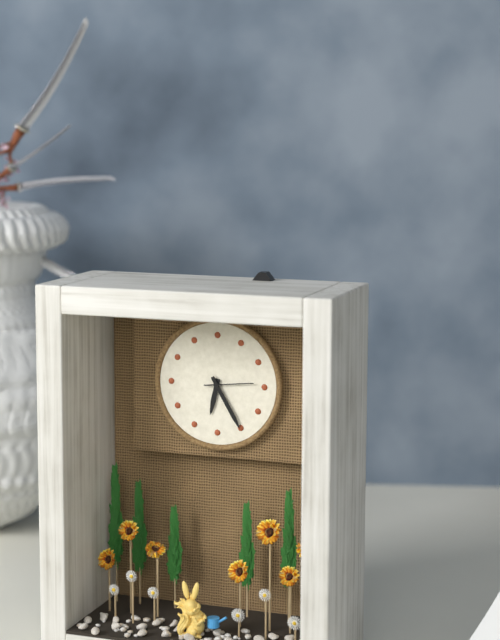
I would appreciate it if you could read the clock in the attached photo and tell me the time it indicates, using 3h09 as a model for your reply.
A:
6h25
